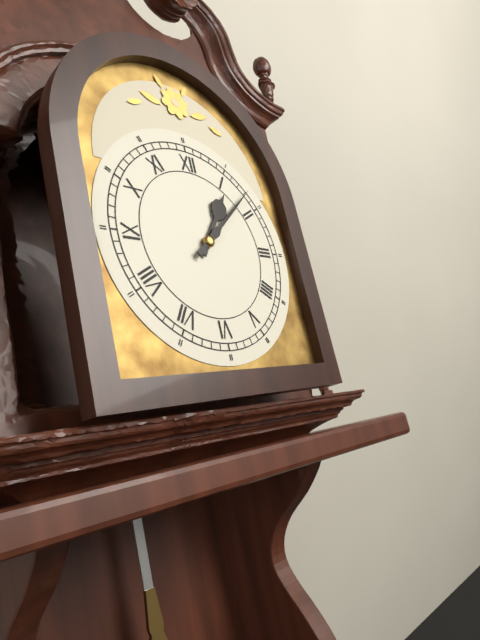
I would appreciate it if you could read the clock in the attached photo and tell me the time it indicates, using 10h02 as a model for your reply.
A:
1h08
